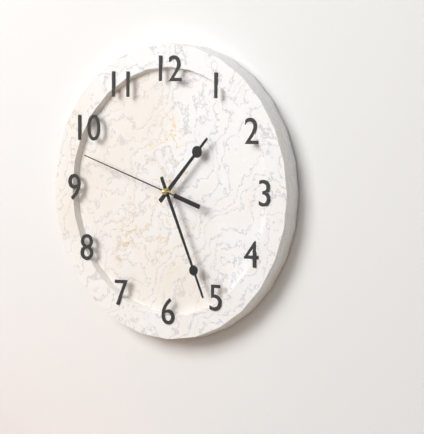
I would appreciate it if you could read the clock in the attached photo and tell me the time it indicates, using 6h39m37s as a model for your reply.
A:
1h26m48s
